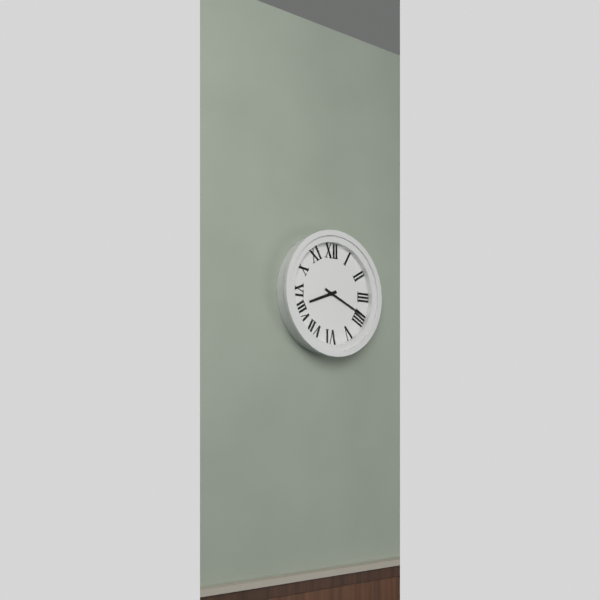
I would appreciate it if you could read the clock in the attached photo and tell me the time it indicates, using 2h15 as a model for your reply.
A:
8h19
